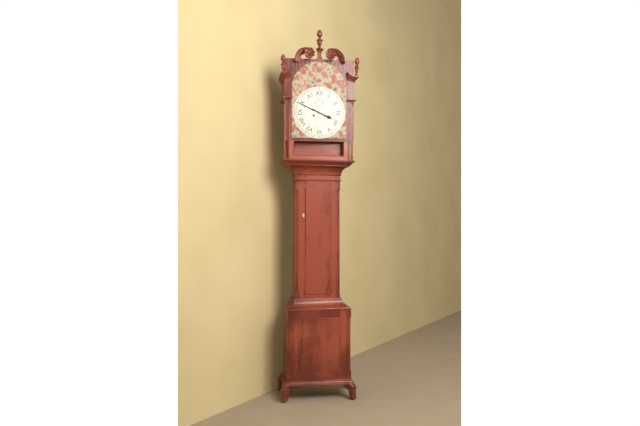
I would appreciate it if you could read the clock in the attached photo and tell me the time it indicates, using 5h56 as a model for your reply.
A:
3h49
